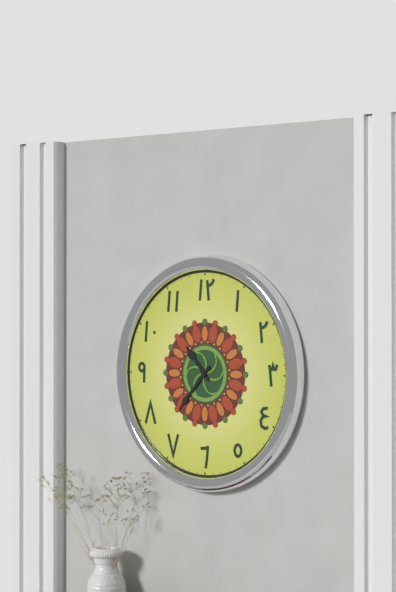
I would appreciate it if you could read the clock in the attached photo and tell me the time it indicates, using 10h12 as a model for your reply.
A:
10h37
